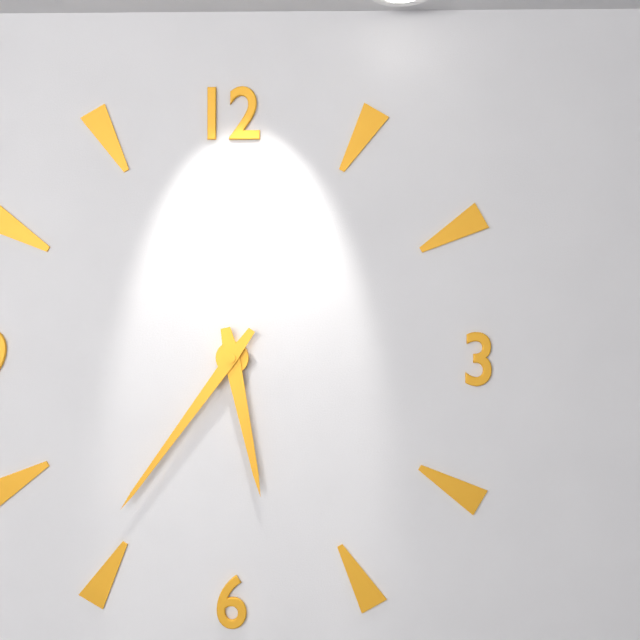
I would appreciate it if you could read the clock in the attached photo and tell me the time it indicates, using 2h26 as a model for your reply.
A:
5h36
